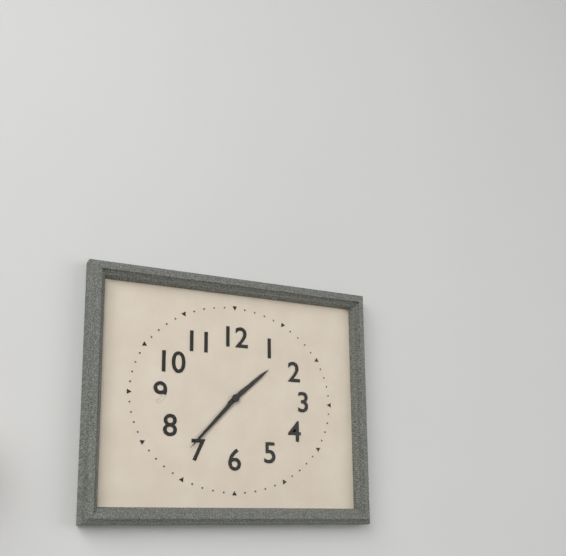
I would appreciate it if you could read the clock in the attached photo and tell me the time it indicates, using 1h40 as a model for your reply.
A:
1h37
